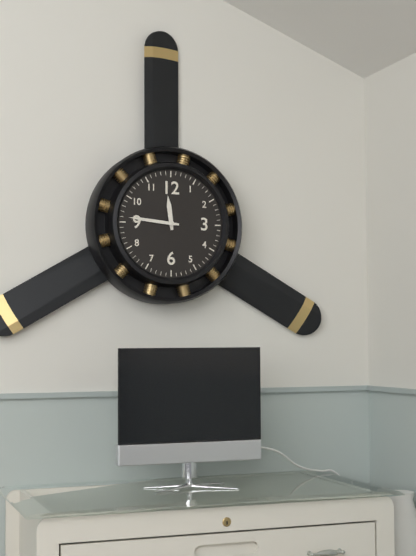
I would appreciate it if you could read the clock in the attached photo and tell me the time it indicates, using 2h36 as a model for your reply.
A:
11h46
